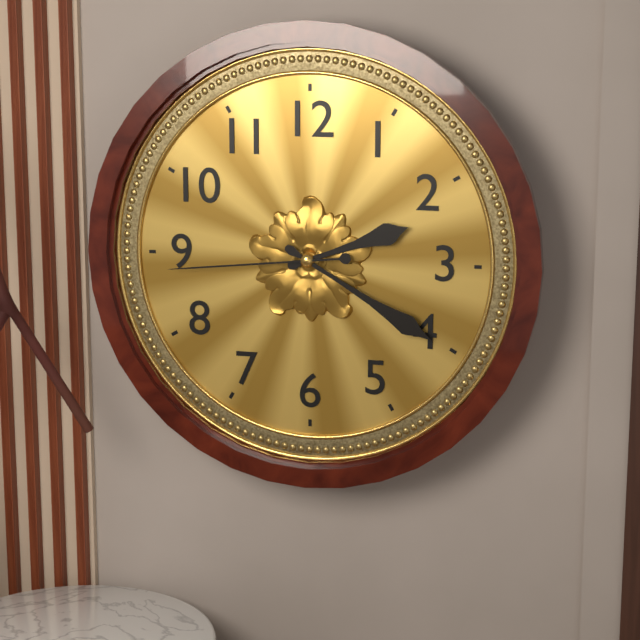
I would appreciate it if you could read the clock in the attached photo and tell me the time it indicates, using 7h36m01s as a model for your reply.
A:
2h20m44s
